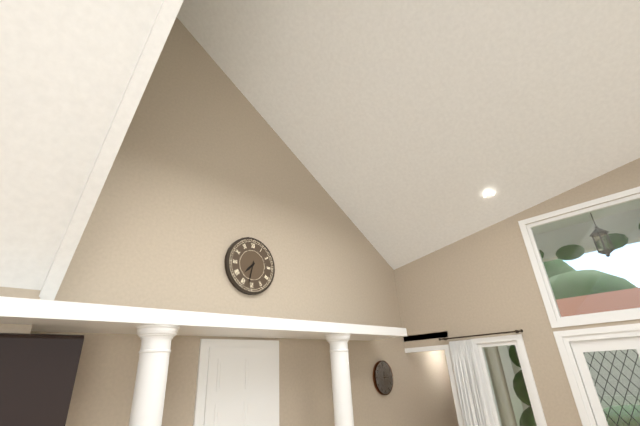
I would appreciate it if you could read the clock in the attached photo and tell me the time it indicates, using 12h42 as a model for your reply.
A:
7h32
